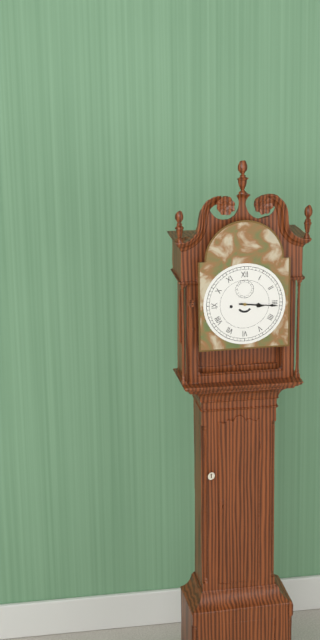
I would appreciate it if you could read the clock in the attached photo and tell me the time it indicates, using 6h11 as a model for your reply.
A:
3h16
